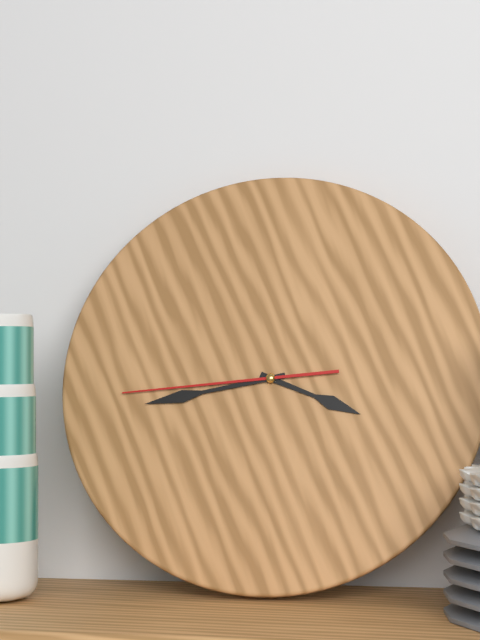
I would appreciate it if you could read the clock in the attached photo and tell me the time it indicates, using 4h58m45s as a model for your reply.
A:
3h43m44s
